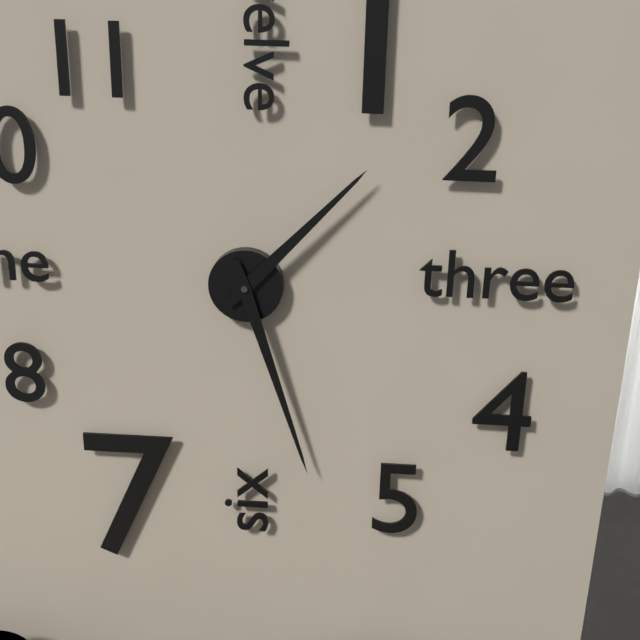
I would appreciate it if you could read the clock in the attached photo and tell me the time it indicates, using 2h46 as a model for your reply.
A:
1h27
